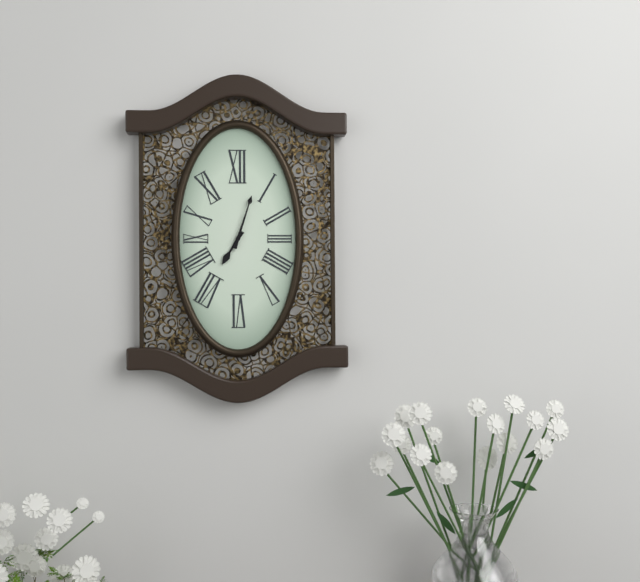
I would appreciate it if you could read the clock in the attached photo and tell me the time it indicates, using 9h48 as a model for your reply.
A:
7h03
